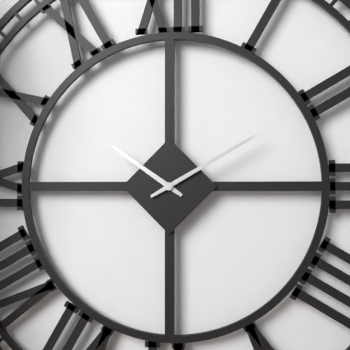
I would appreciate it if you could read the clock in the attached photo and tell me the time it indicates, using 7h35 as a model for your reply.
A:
10h10
